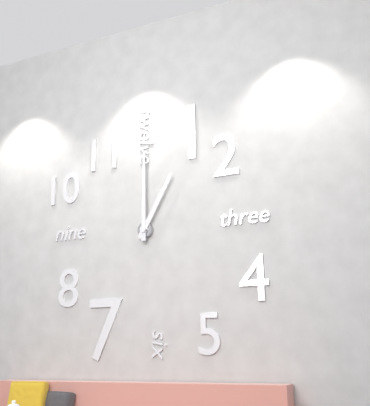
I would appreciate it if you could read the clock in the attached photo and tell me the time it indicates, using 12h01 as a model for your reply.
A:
1h00
